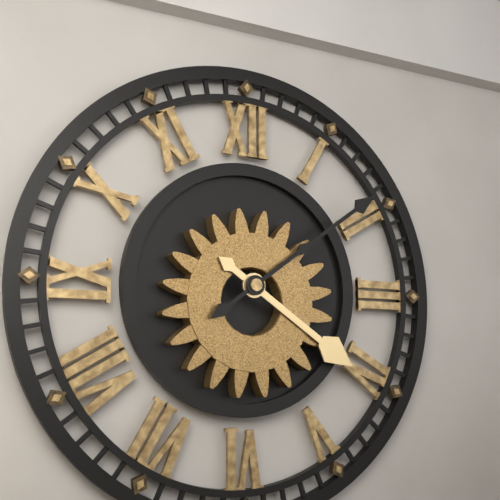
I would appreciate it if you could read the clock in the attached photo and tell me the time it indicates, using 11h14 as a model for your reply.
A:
4h09
